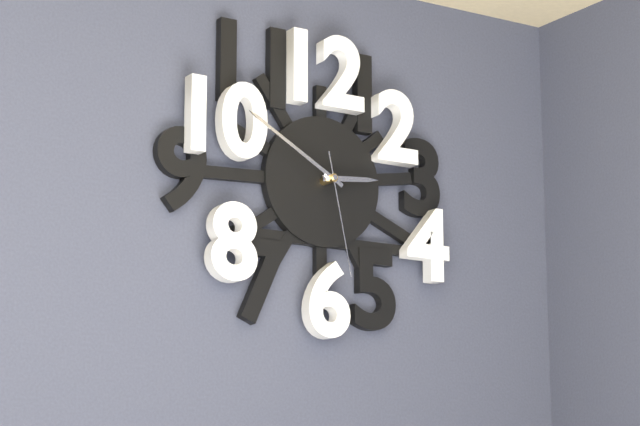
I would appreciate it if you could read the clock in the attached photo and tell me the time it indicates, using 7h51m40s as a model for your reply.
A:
2h50m28s
